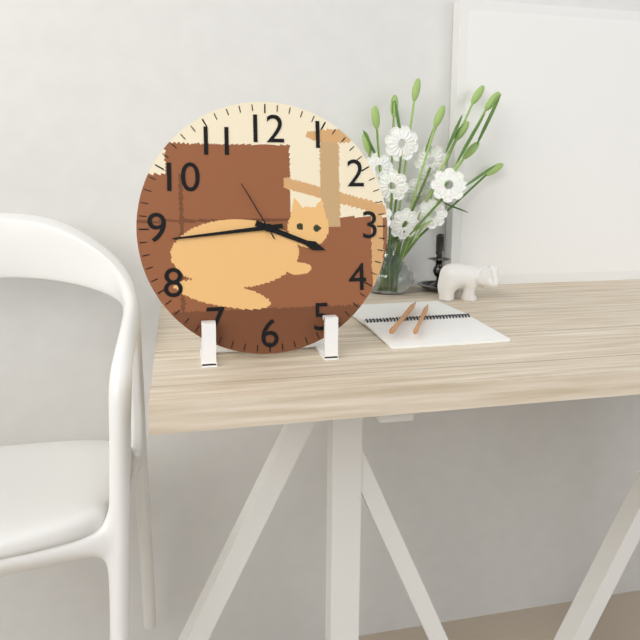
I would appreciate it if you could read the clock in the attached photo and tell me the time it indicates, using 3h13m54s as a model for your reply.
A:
3h44m55s
